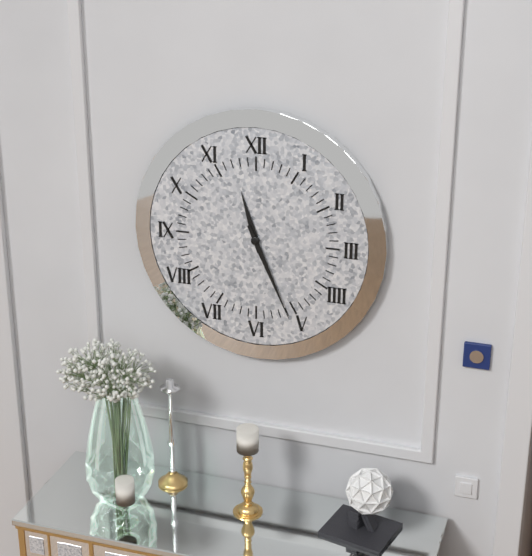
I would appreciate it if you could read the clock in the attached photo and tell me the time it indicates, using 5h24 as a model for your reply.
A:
11h26
